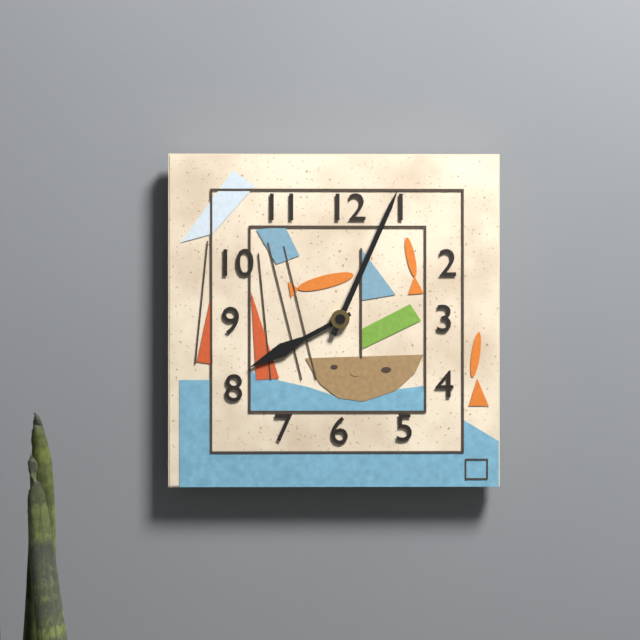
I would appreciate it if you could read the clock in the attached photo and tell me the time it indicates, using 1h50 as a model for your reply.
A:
8h04
